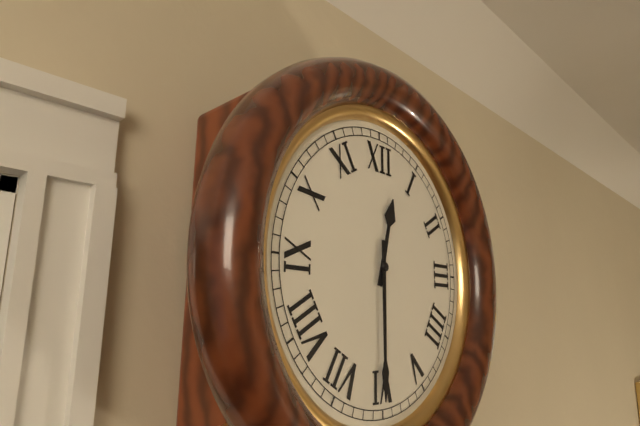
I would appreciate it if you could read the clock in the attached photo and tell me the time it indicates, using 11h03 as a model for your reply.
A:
12h30
